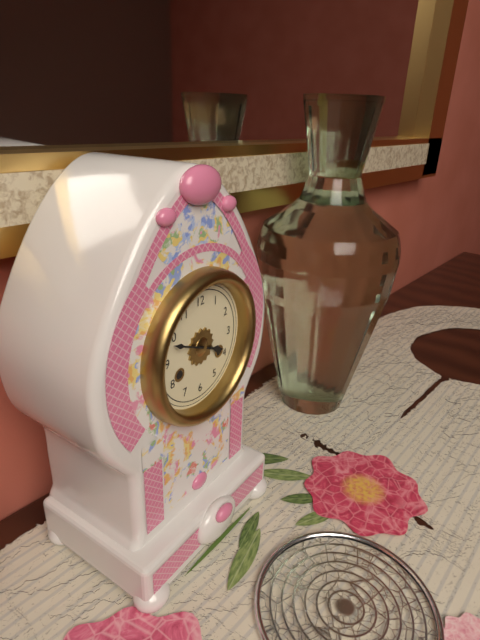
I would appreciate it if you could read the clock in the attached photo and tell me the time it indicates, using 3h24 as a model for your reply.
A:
3h49
